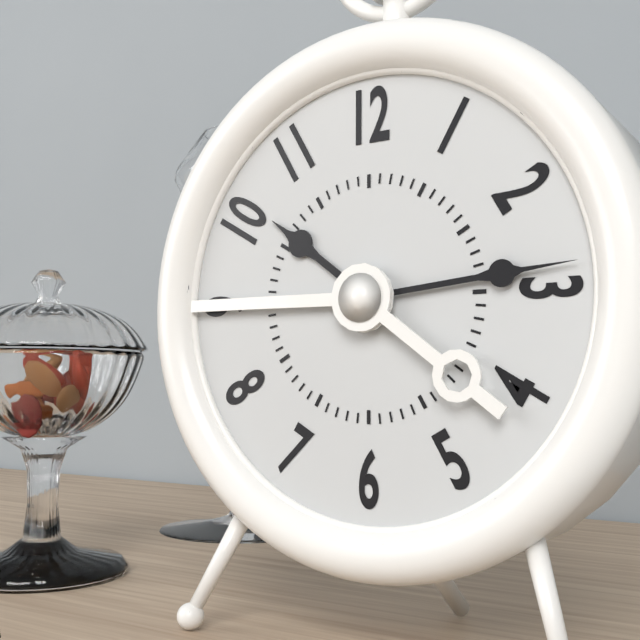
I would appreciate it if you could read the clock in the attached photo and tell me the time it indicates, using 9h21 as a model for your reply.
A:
10h14
